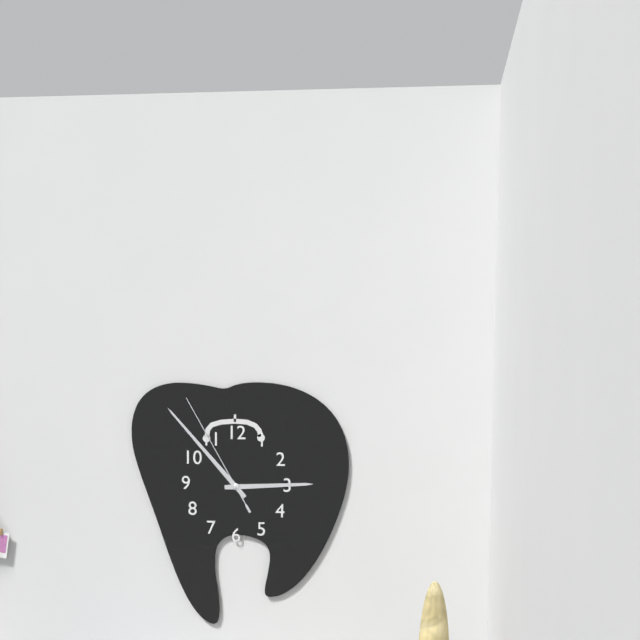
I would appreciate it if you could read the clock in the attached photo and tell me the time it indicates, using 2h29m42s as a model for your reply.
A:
2h53m55s
